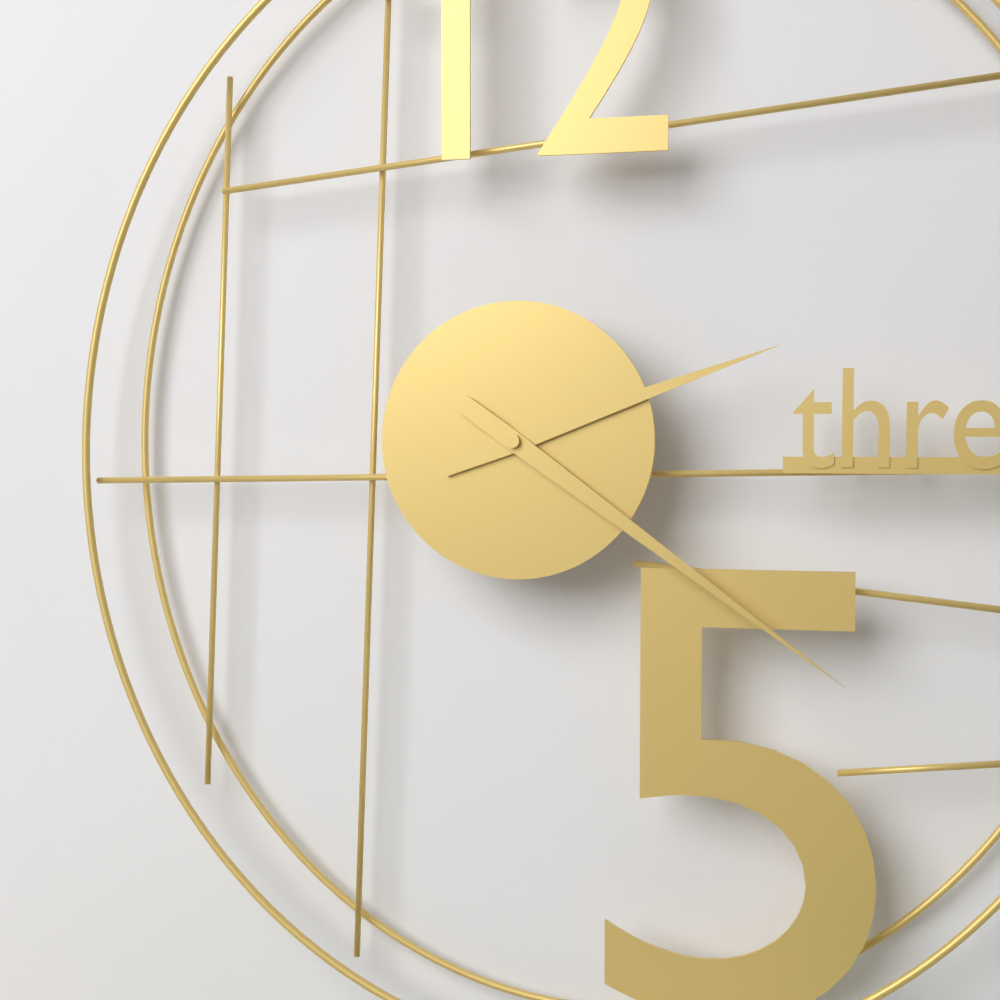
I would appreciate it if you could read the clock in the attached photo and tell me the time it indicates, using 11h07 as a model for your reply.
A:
2h21
